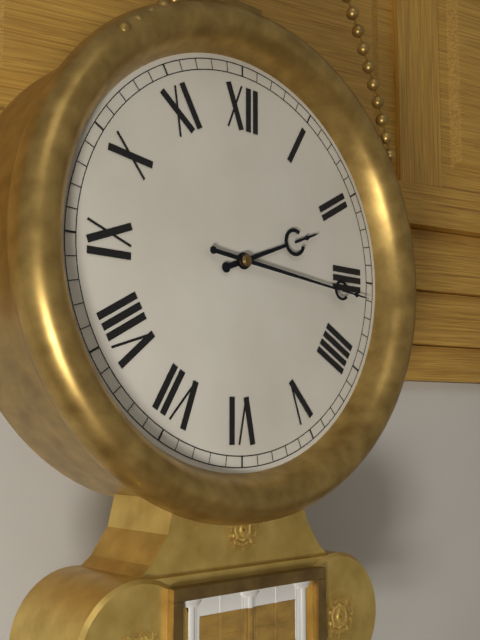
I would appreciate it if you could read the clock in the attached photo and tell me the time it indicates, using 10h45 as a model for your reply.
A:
2h16
